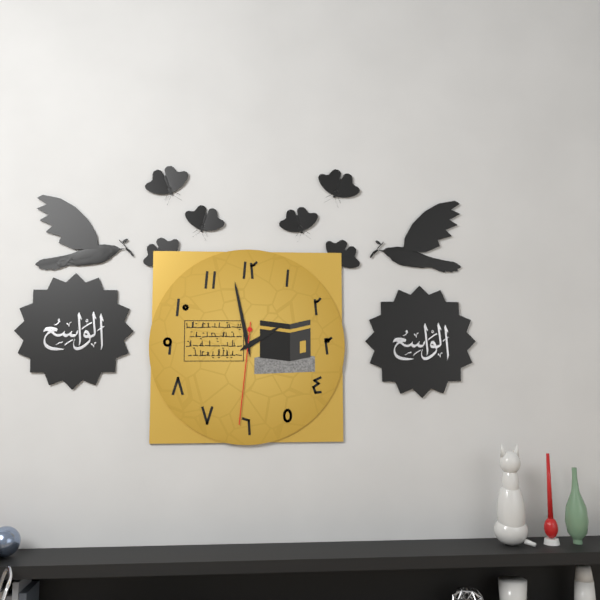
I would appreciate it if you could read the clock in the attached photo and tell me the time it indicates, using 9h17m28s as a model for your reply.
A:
1h58m31s
